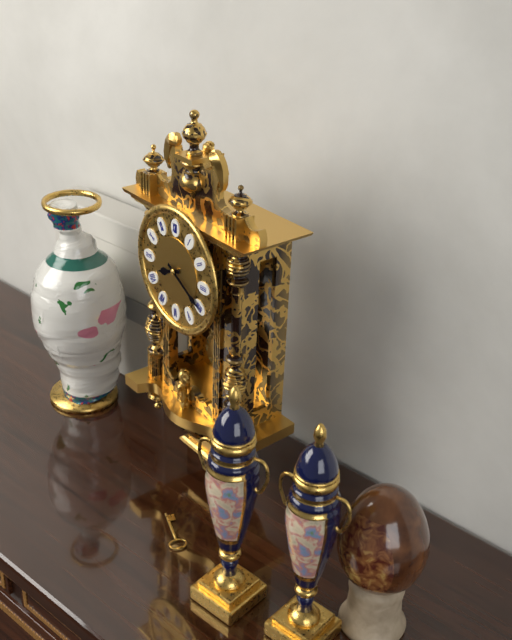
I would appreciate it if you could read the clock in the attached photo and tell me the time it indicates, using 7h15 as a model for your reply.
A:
8h20
